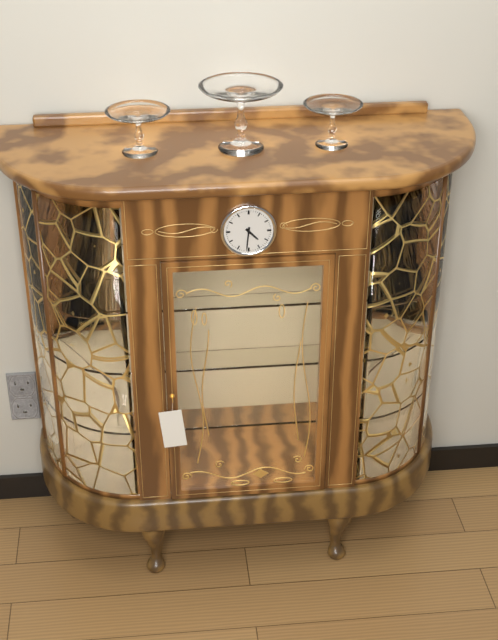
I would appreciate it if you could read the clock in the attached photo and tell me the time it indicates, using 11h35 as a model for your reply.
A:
4h31
